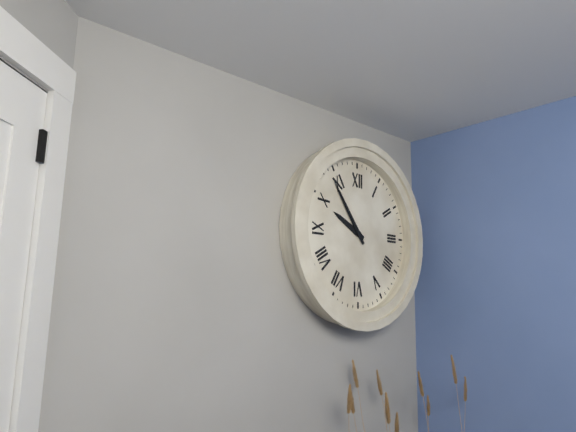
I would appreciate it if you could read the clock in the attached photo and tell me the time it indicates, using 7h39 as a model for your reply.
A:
9h54
